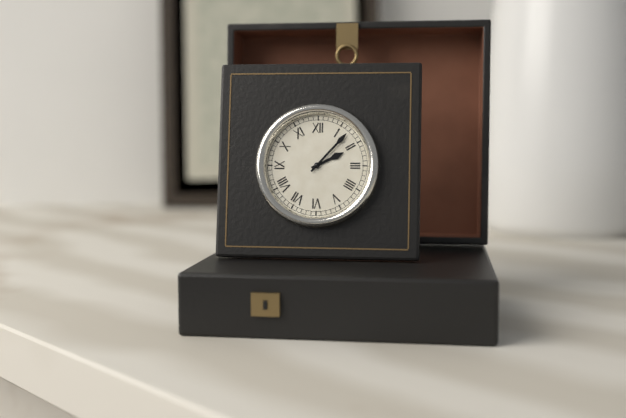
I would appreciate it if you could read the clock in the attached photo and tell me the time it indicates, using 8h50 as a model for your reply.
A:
2h07
